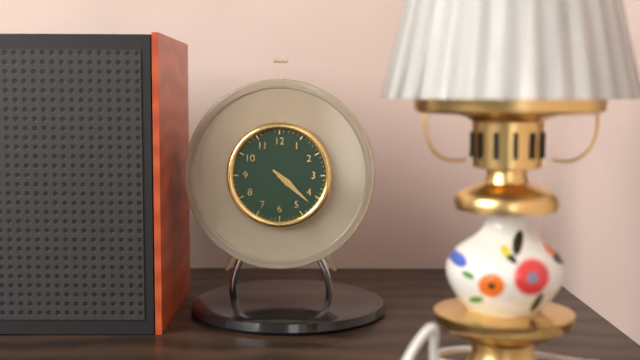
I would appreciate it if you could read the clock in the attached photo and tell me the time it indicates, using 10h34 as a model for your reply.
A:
4h22
